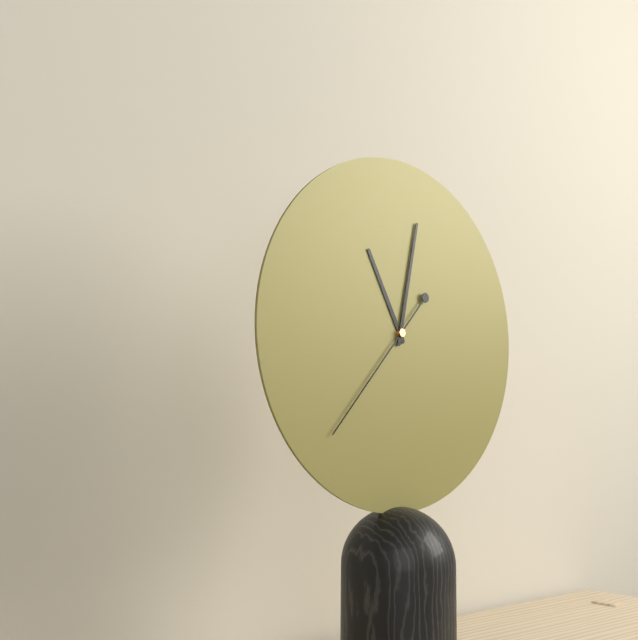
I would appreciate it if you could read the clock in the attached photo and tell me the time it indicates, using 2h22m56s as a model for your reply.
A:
11h02m37s
